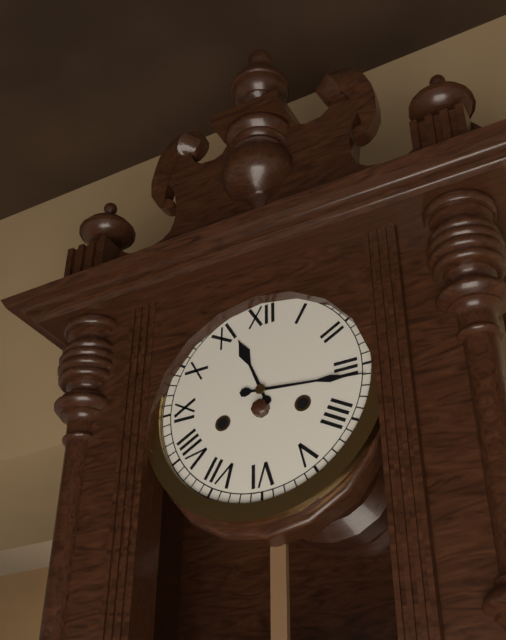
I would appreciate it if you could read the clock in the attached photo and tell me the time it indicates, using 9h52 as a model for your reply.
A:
11h16
